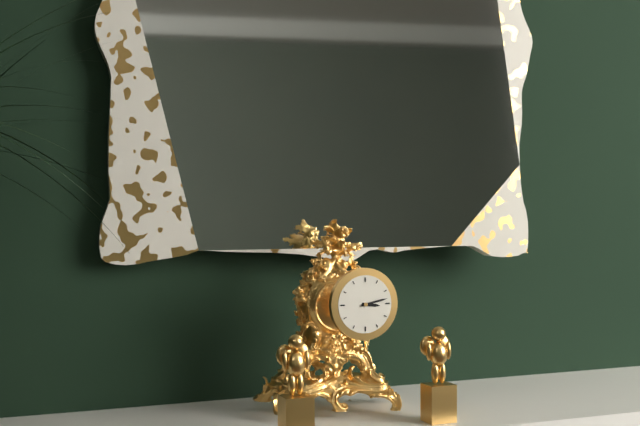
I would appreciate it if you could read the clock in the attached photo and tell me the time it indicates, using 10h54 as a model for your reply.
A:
3h13
